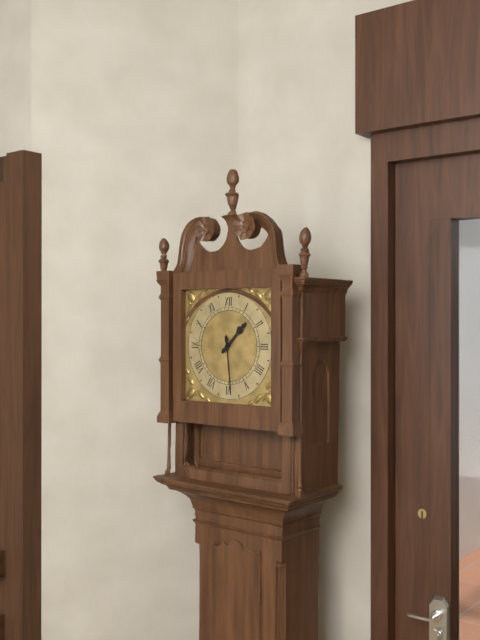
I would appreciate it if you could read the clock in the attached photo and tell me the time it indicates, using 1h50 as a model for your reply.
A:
1h29
